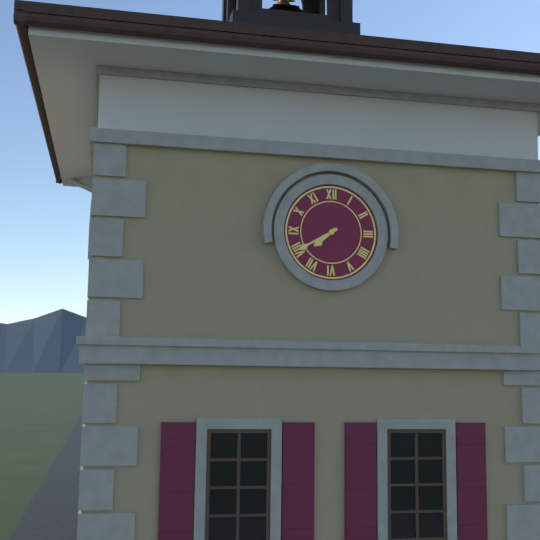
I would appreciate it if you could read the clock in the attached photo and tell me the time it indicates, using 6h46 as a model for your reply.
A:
7h40
